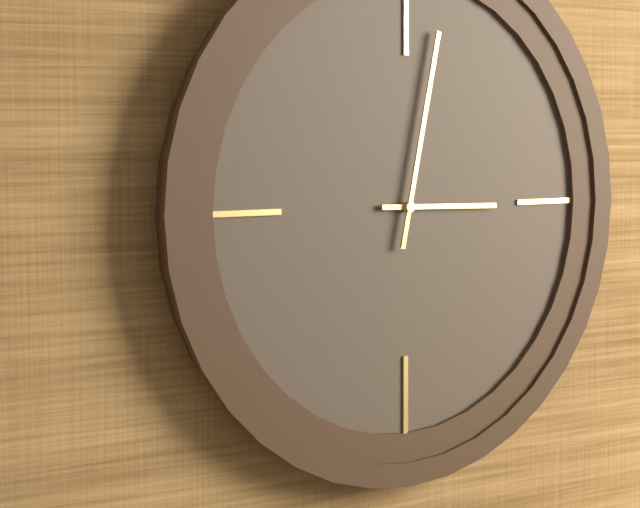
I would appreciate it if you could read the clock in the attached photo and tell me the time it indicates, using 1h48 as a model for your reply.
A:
3h02
